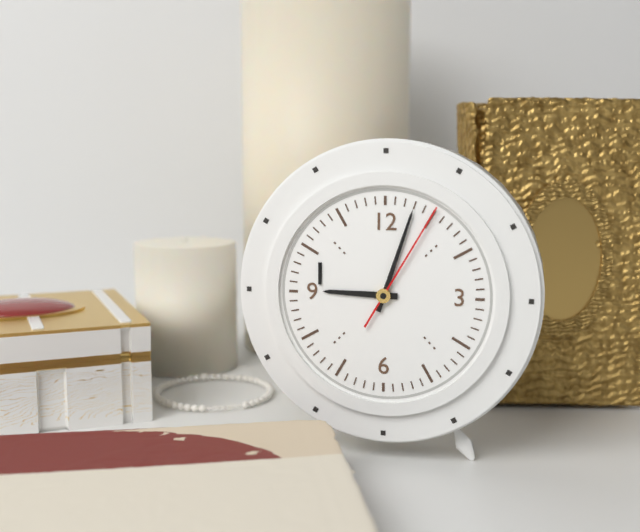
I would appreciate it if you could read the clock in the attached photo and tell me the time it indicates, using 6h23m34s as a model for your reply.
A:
9h03m05s
